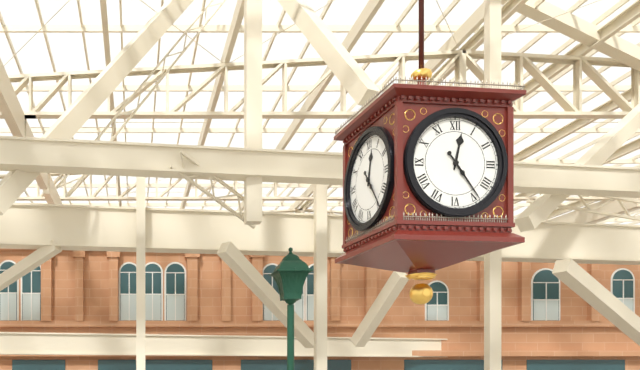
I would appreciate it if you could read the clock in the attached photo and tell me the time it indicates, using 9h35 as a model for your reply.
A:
12h24
